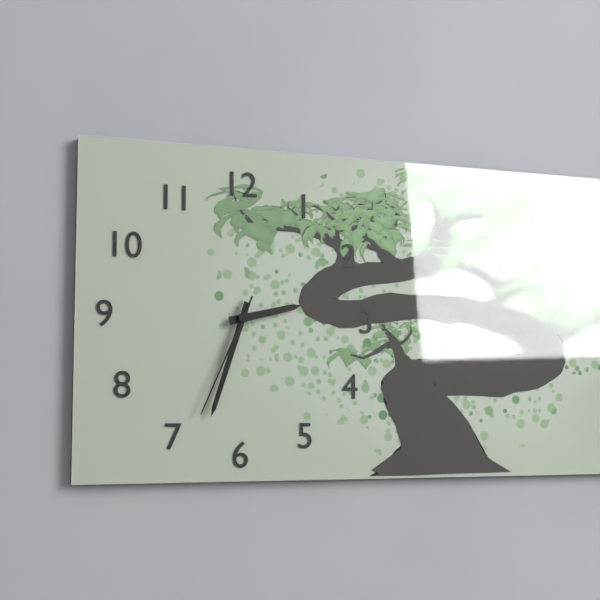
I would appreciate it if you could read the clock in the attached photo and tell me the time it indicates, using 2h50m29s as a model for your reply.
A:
2h33m34s
